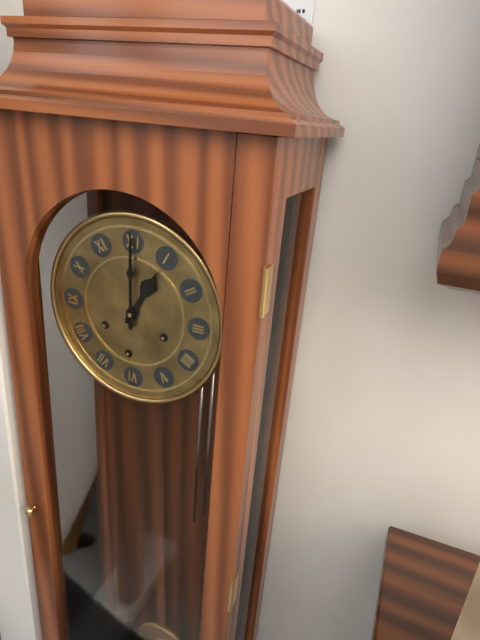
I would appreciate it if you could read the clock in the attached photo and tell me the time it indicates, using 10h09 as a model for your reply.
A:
1h00
